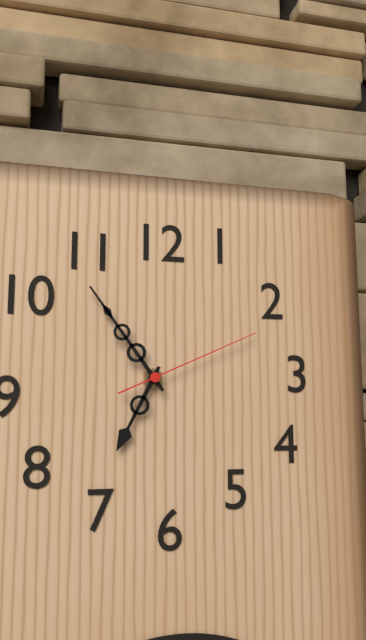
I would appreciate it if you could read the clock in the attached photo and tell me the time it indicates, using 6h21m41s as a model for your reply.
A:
6h54m11s
